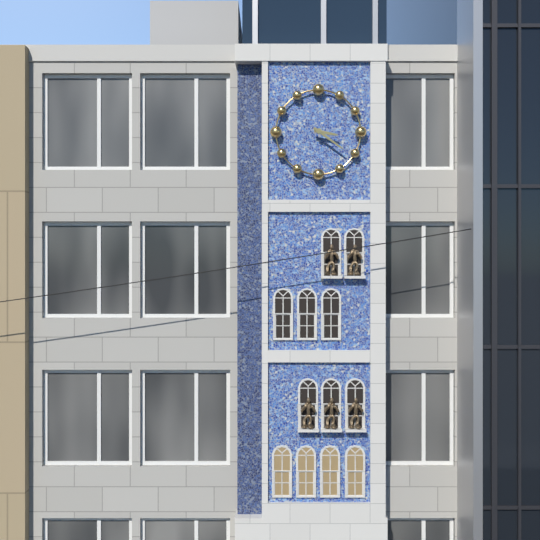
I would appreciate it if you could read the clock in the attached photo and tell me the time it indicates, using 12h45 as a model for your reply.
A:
3h21
